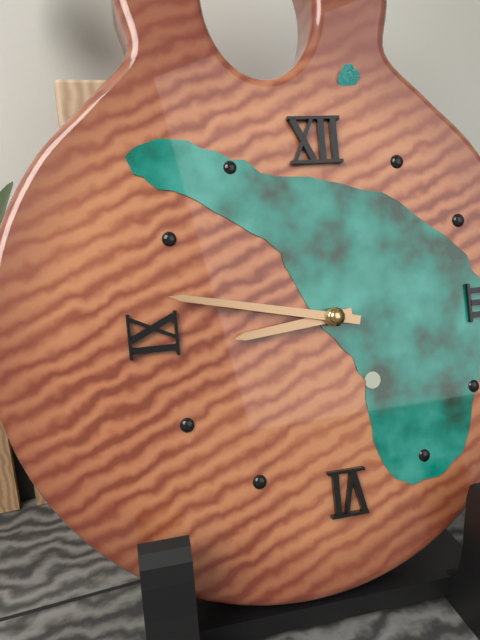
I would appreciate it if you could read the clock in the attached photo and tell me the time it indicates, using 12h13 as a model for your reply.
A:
8h47
